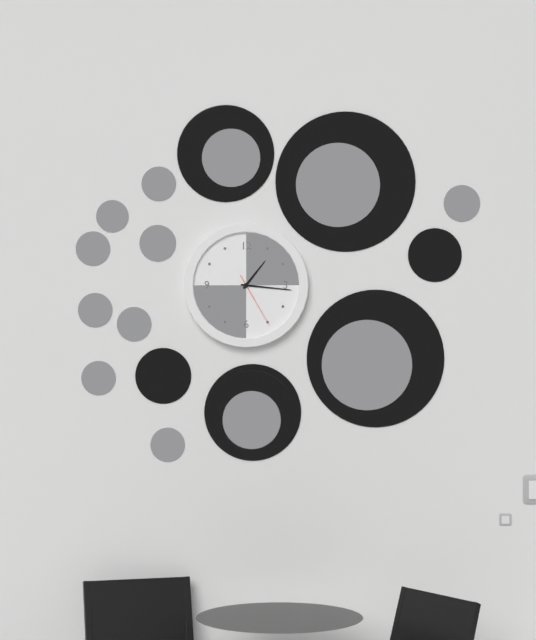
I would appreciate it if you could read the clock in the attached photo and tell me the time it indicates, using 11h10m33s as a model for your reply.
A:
1h16m25s
